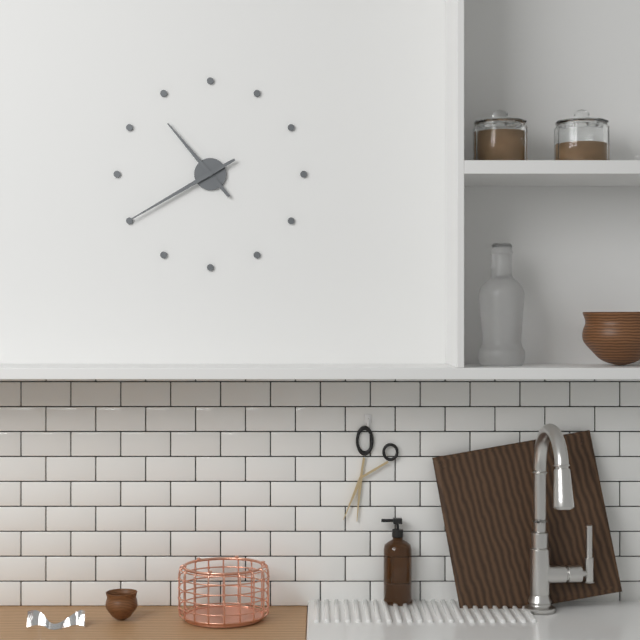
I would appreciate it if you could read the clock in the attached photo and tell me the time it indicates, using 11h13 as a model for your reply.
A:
10h40
